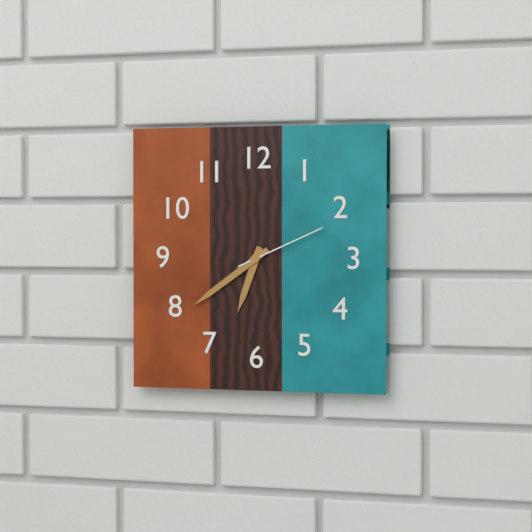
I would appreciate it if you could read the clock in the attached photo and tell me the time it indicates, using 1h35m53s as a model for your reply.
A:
6h39m11s
